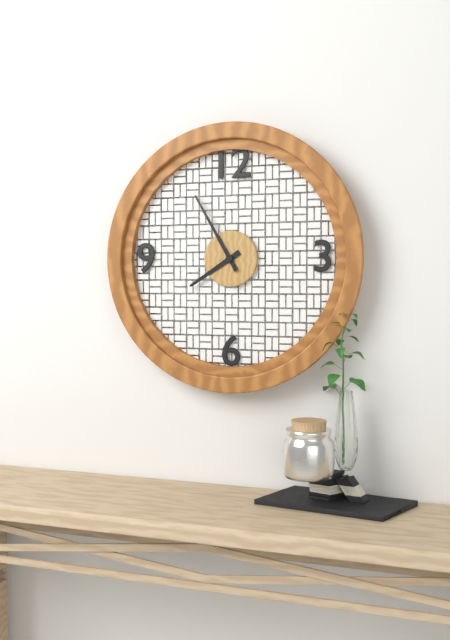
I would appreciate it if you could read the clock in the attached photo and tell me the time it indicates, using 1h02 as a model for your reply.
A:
7h55
